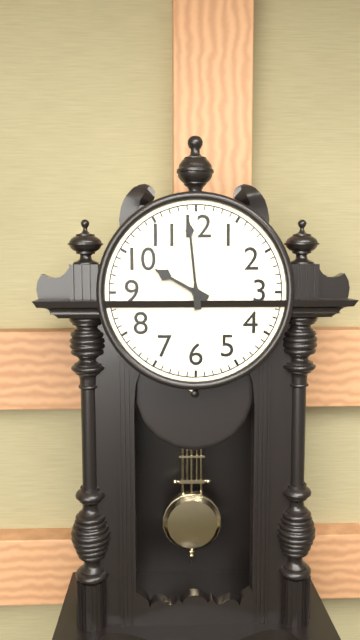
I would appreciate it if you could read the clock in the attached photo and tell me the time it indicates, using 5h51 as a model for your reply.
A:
9h59
